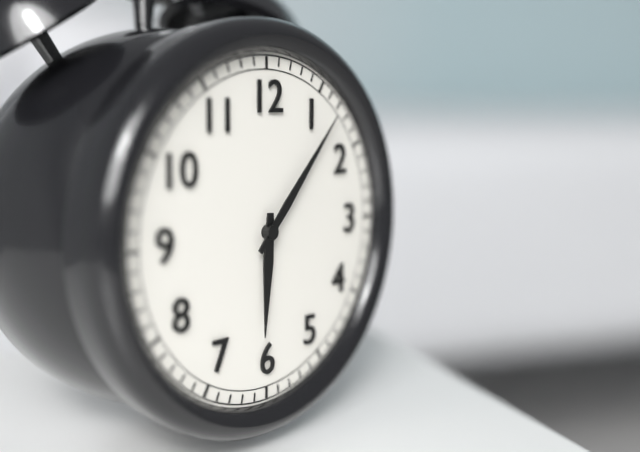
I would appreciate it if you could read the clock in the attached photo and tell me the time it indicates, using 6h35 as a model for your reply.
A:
6h07
